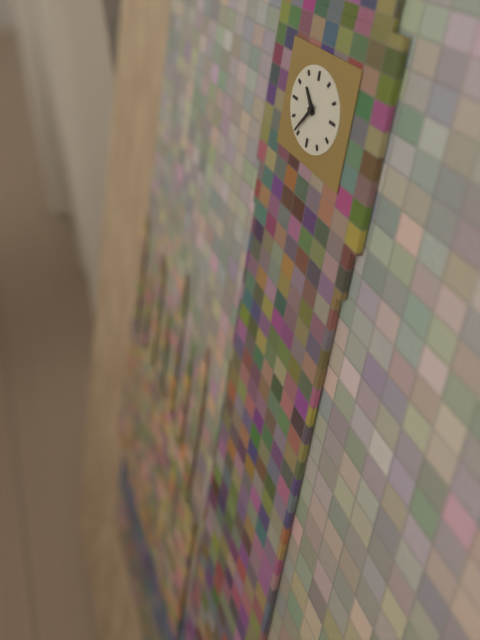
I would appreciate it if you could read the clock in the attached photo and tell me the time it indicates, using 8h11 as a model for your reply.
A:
10h36
